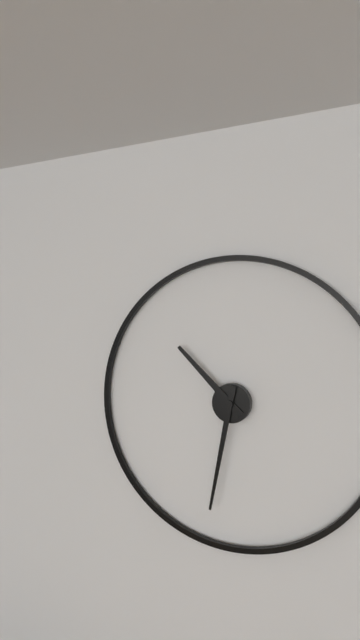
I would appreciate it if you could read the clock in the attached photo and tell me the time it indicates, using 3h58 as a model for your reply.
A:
10h32
